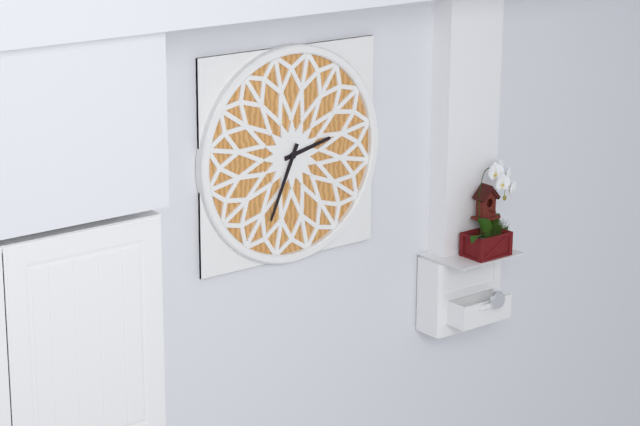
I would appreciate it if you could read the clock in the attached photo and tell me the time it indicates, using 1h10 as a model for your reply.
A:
2h34
